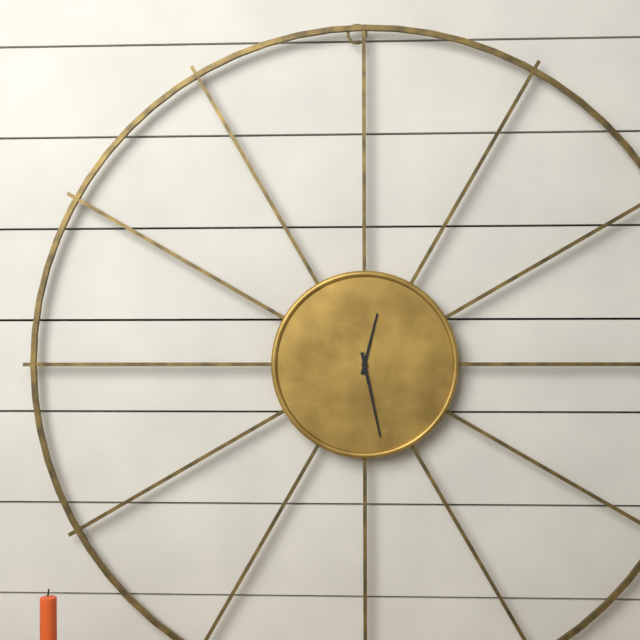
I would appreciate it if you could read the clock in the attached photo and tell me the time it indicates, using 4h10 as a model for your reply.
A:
12h28
